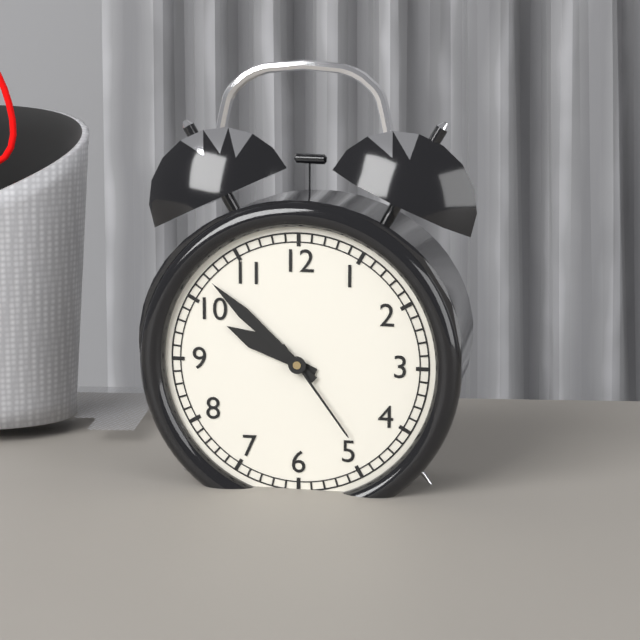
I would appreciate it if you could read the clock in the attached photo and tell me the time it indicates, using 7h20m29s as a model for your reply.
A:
9h52m24s
